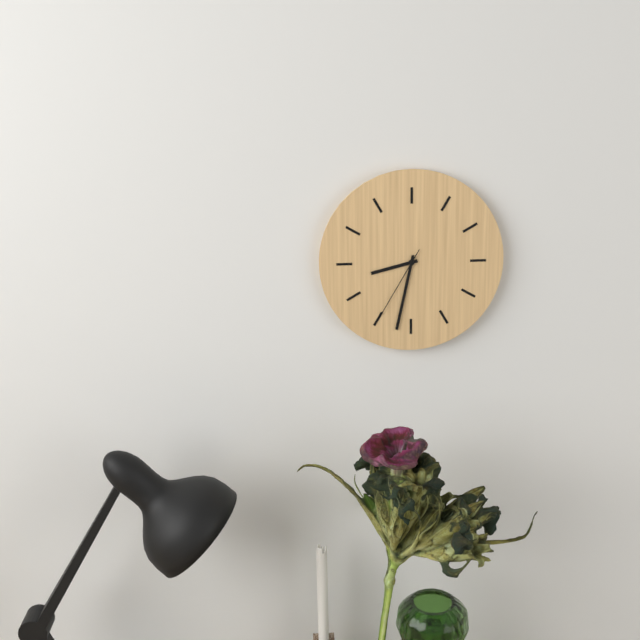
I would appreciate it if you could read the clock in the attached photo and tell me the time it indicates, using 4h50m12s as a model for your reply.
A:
8h32m35s
